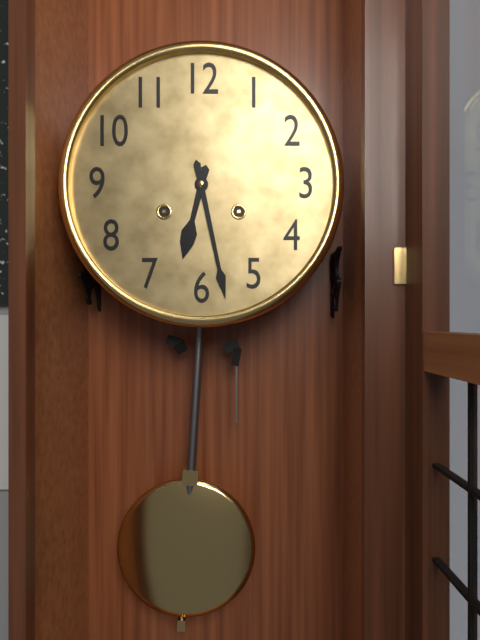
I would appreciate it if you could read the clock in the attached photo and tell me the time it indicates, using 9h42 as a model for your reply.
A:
6h28
